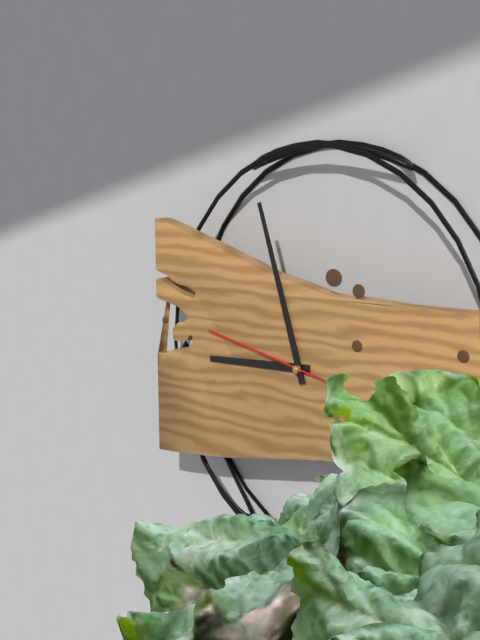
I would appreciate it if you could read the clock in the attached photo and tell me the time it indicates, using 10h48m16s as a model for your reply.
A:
8h57m47s
